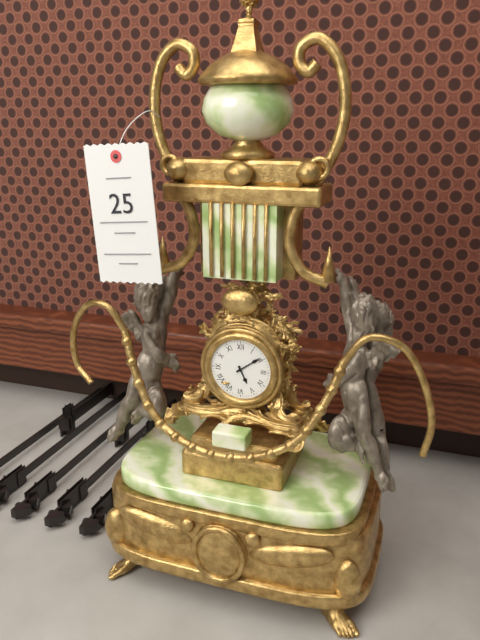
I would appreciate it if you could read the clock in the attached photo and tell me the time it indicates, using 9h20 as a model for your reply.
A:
5h09
